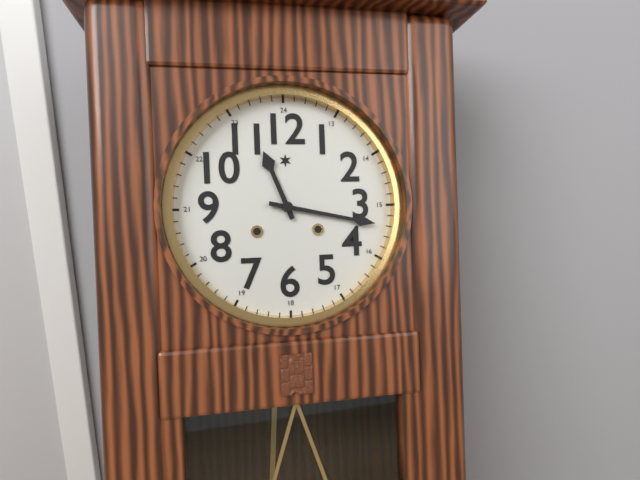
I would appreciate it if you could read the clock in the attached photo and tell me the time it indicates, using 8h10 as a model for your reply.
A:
11h17
